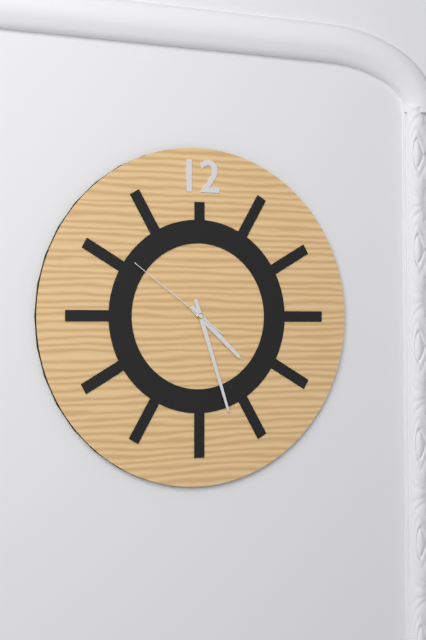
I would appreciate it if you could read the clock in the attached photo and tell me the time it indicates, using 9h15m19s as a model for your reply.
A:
4h27m51s
